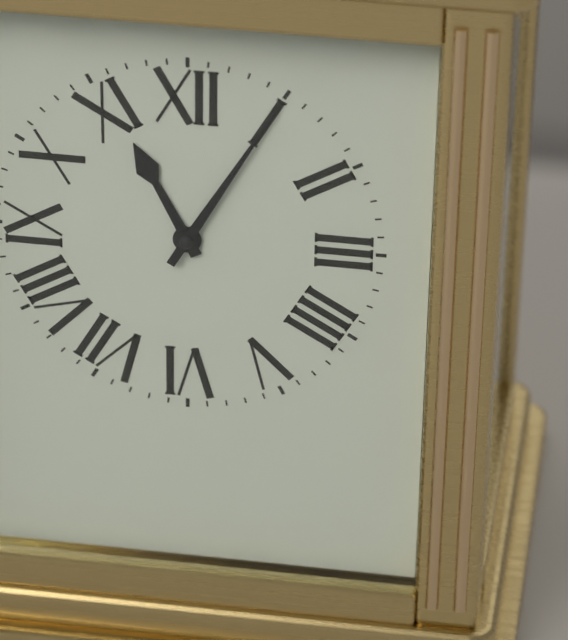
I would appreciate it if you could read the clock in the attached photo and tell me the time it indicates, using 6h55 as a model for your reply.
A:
11h05
